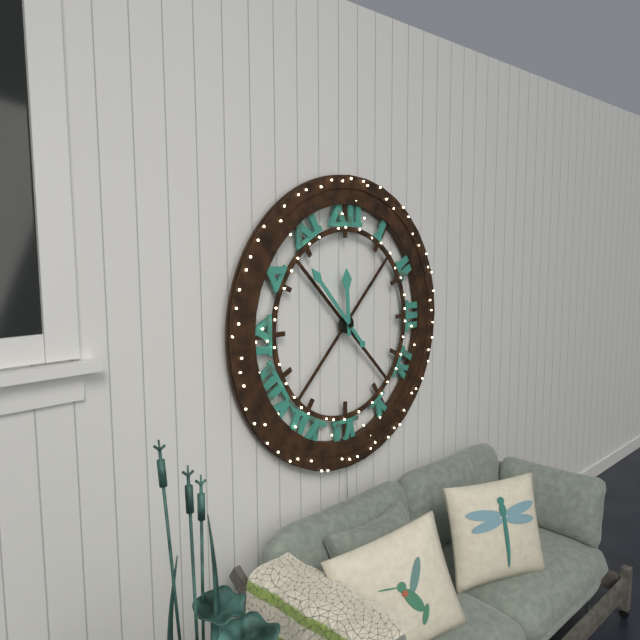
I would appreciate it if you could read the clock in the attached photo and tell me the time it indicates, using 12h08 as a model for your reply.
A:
11h53
